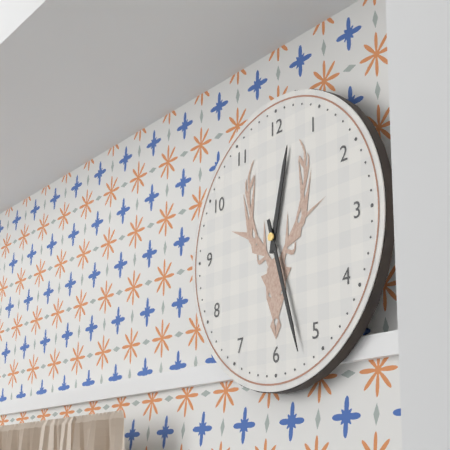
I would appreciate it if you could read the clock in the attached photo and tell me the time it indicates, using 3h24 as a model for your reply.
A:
12h27
